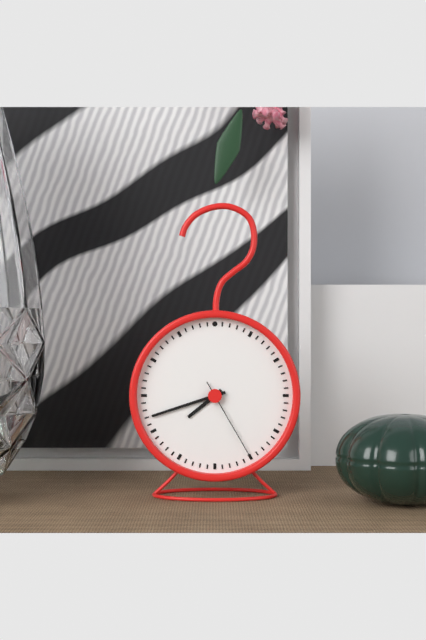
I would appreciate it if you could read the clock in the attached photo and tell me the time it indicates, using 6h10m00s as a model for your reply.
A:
7h42m25s
